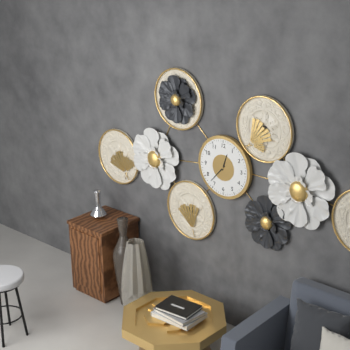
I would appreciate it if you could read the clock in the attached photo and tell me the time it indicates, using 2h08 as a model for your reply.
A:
12h37
